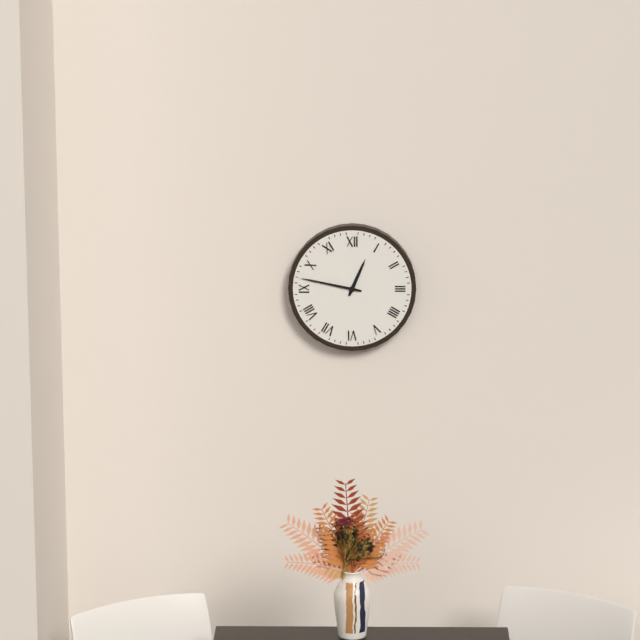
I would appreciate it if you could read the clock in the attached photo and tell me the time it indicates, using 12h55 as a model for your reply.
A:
12h47
